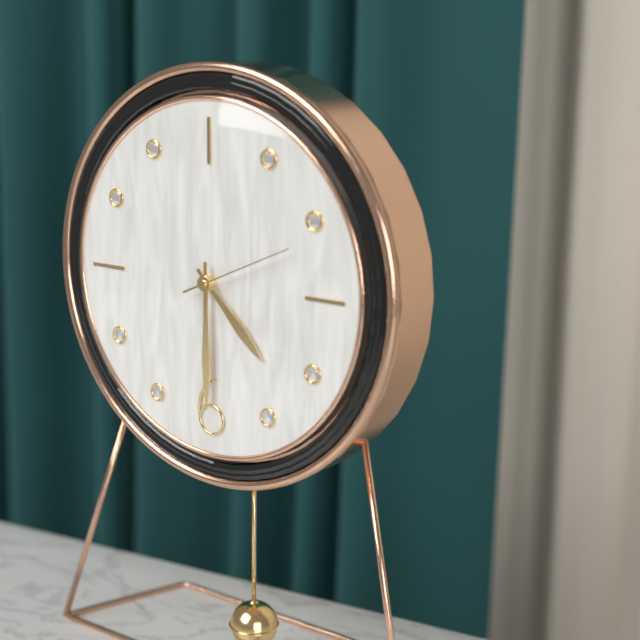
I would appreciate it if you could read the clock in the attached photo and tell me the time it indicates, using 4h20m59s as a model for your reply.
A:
4h30m11s
